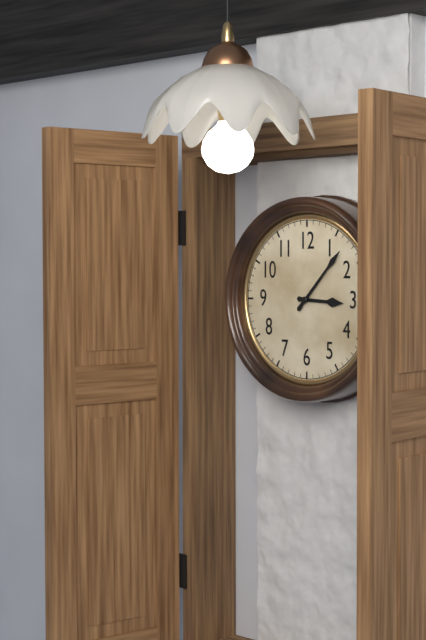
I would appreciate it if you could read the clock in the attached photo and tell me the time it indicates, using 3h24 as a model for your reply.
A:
3h07
